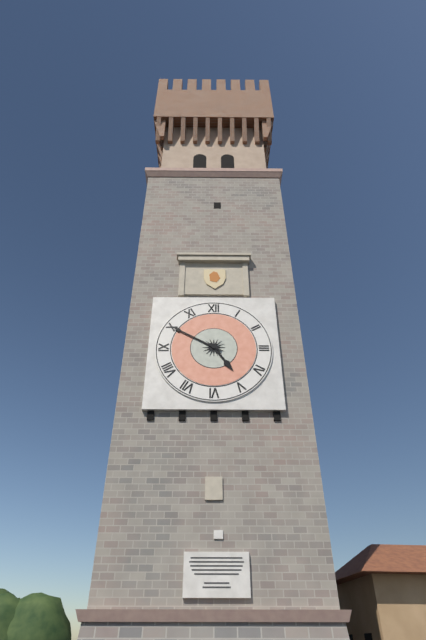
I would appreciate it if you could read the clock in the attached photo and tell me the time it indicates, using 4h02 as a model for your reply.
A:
4h50
